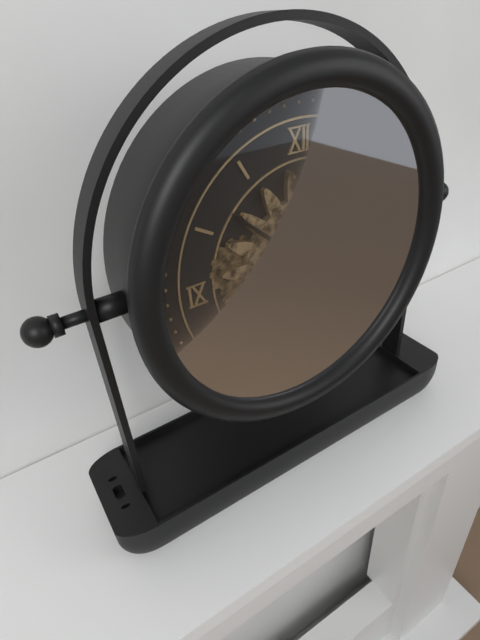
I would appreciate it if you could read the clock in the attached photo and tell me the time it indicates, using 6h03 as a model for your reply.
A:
3h52
